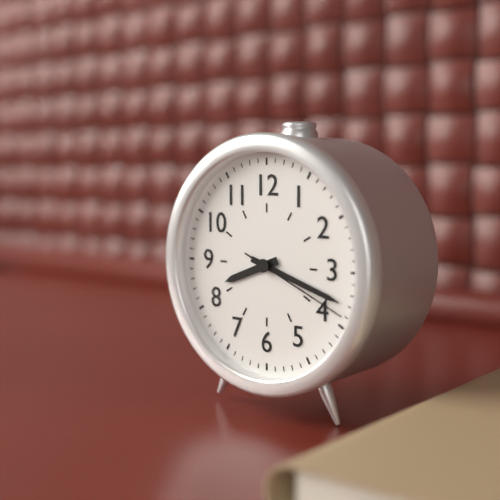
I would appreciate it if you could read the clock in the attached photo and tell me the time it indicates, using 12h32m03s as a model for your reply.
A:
8h18m19s
